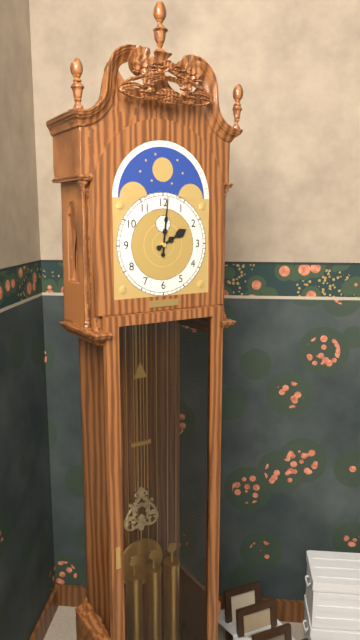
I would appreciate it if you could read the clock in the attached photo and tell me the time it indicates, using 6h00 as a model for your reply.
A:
2h01
